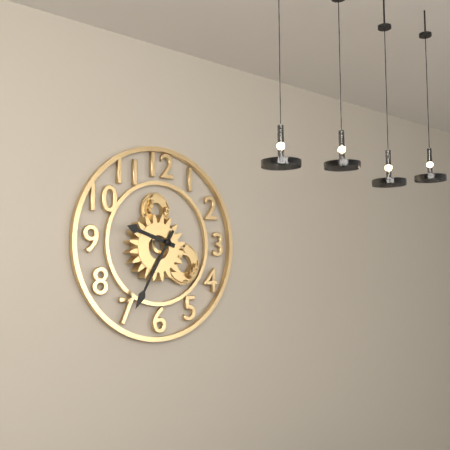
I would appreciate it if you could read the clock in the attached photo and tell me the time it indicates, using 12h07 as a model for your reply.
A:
9h35
